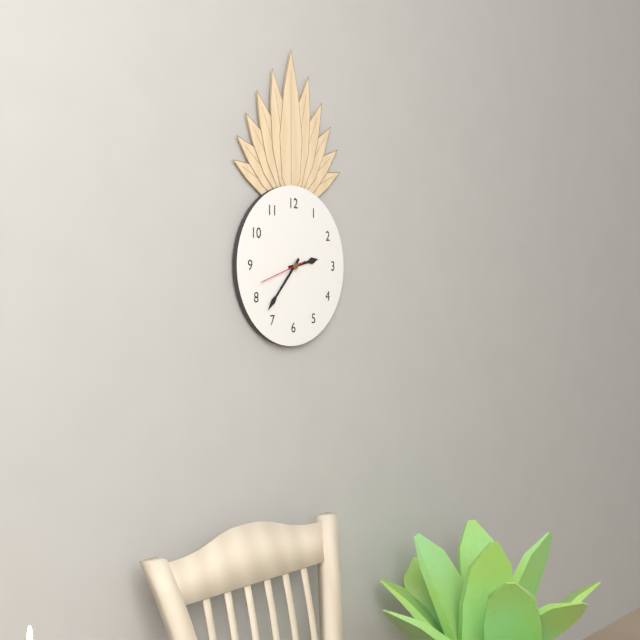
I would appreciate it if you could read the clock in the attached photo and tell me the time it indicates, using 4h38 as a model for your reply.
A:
2h37
